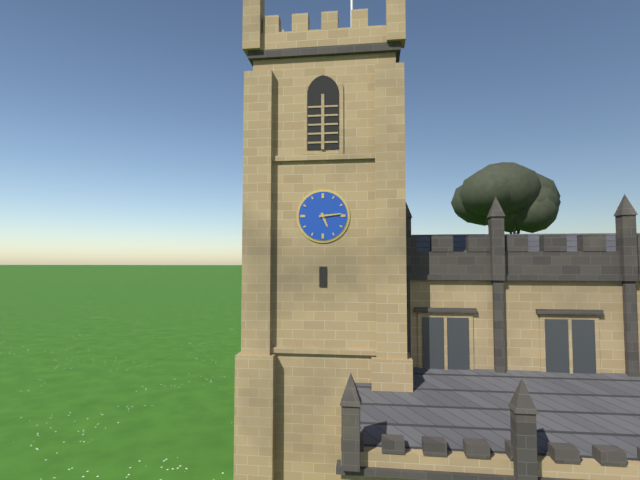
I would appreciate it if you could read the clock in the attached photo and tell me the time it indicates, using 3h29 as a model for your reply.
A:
5h14
